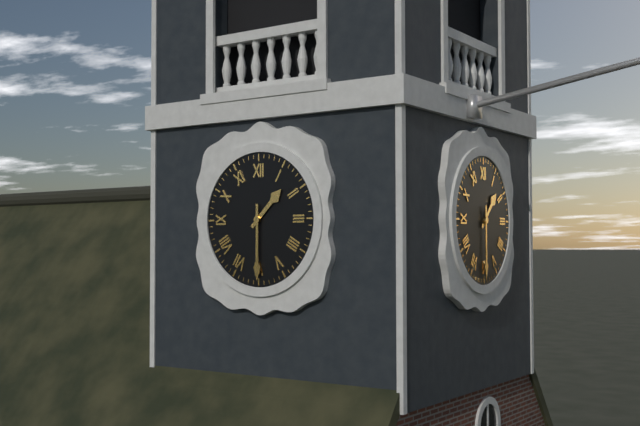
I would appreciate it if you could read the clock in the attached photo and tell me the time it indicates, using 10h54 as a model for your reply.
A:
1h30
